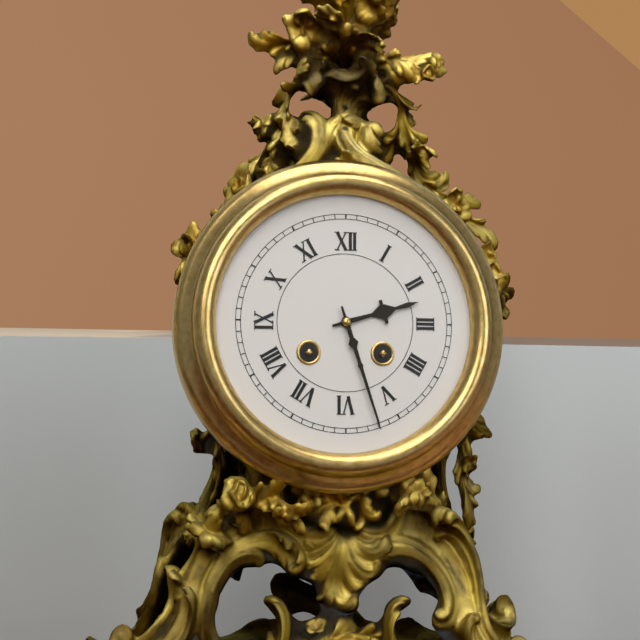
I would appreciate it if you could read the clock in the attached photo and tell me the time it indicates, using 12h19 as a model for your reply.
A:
2h27
